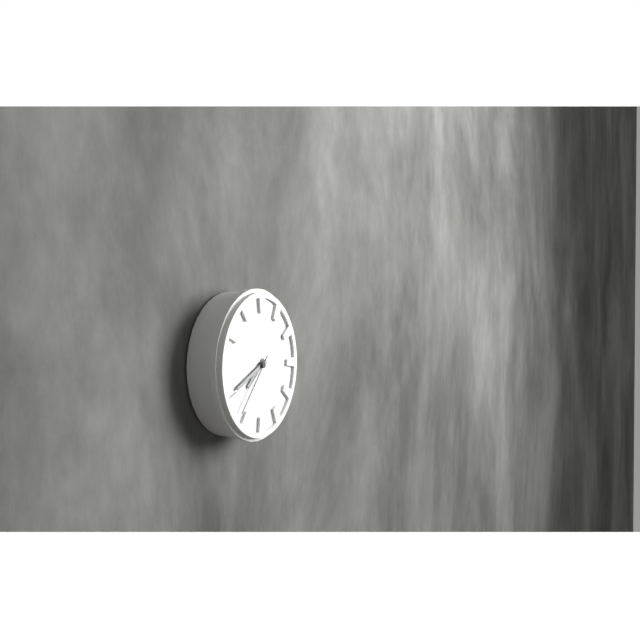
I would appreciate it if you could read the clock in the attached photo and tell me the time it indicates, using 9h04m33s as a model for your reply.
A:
7h41m37s
